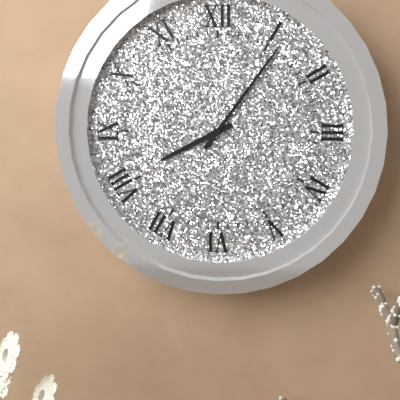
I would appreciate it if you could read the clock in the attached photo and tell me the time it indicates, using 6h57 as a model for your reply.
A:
8h06
